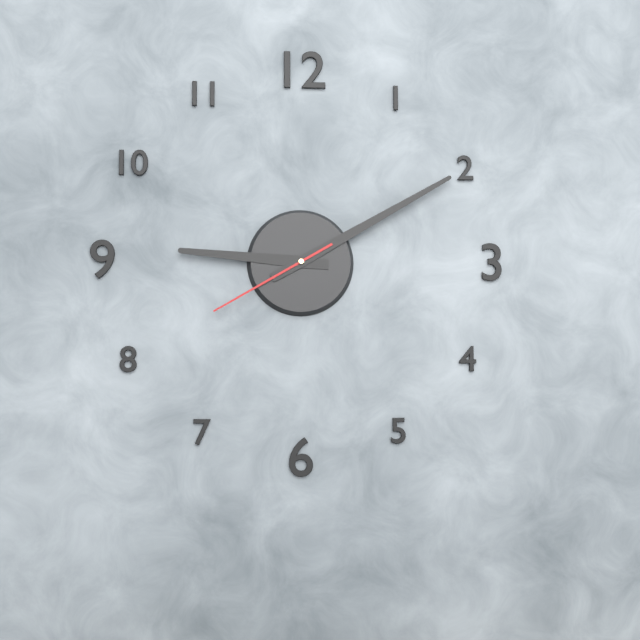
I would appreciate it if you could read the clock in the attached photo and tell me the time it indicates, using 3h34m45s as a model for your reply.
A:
9h10m40s
